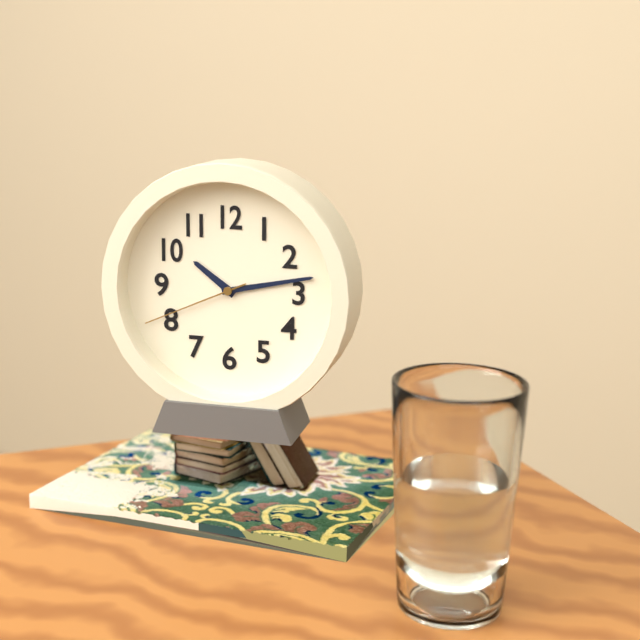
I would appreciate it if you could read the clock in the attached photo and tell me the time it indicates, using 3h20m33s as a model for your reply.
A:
10h13m41s
